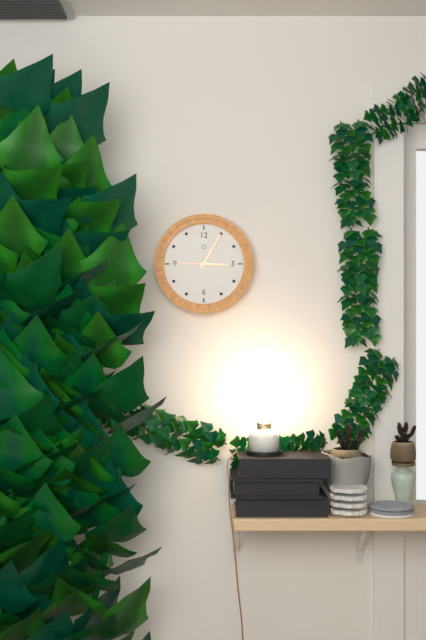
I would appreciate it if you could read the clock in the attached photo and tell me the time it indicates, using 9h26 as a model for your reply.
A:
3h05
